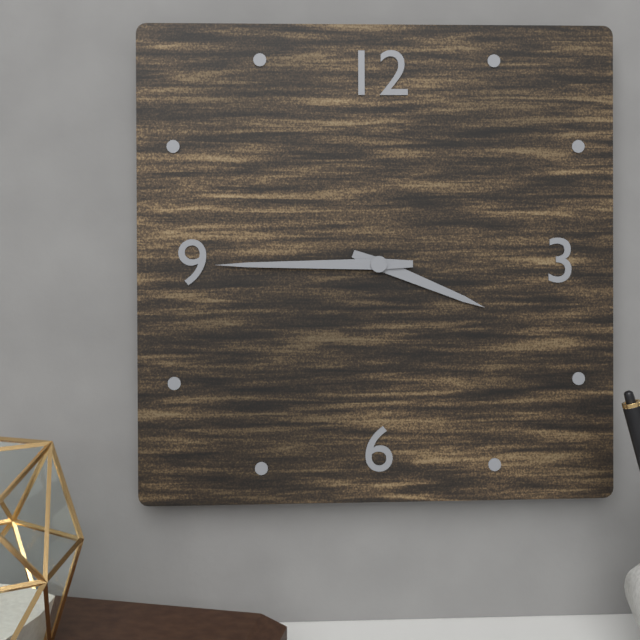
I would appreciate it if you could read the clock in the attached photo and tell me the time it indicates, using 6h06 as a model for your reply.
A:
3h45
